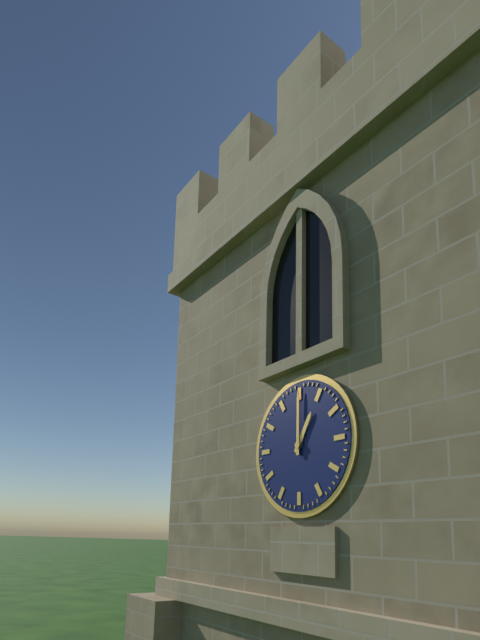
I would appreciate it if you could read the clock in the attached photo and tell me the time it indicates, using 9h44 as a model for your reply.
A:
1h00
